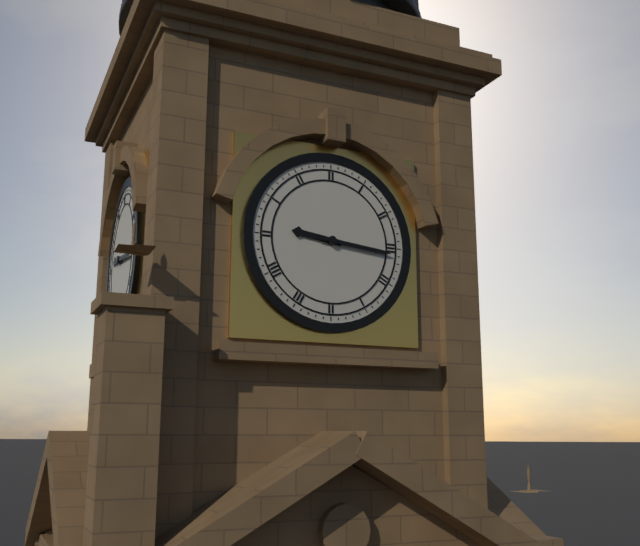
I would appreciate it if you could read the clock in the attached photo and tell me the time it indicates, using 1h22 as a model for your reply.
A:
9h16
